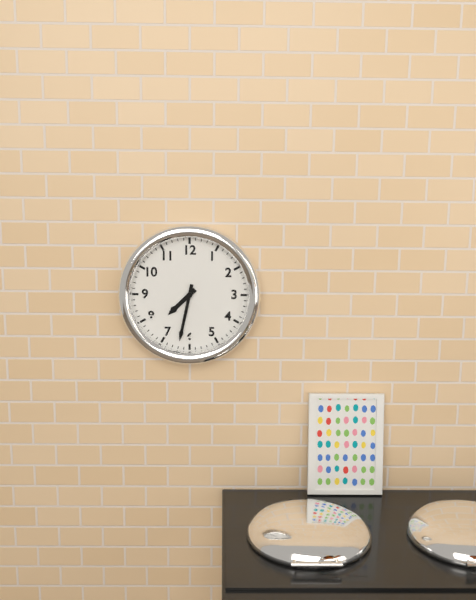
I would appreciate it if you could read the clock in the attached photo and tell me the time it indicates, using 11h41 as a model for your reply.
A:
7h32
